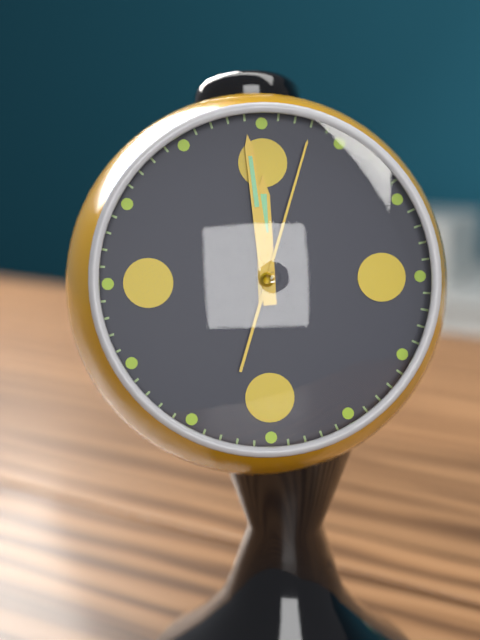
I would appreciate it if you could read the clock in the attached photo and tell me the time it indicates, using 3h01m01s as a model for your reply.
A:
11h59m03s
